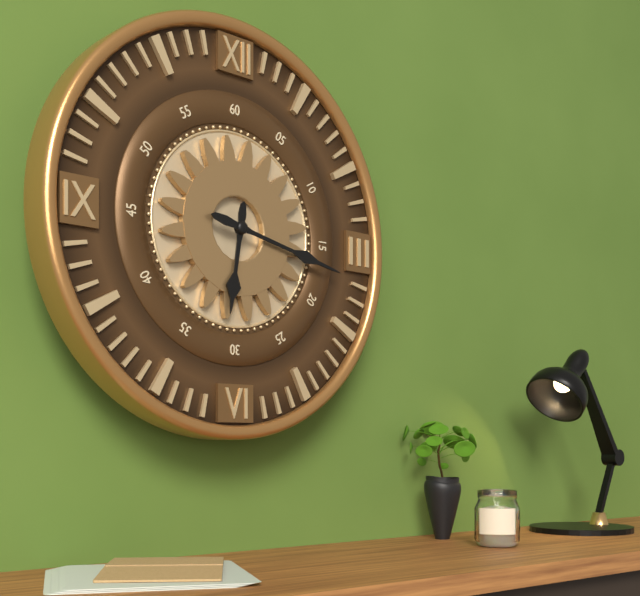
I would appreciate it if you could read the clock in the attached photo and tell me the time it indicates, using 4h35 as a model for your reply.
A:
6h17
